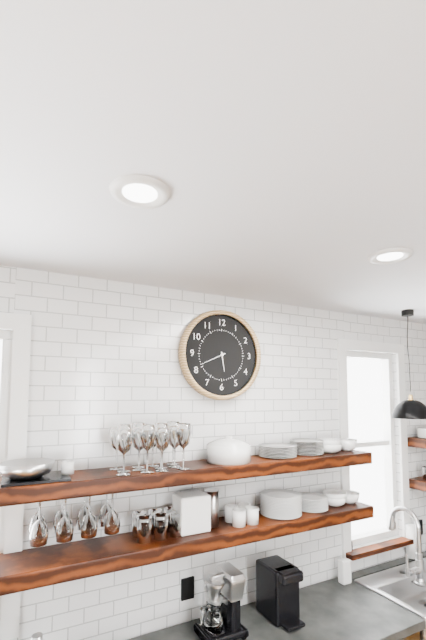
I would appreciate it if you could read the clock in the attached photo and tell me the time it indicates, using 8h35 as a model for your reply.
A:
5h41
